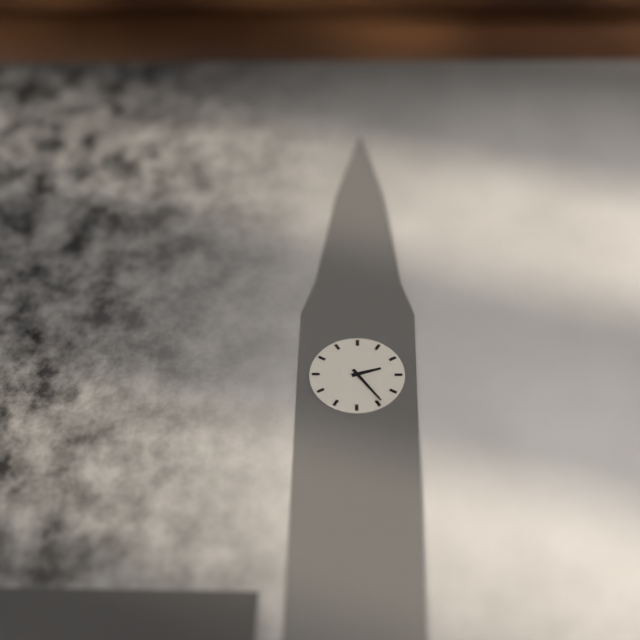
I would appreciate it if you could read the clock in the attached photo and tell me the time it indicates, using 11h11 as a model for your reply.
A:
2h24
